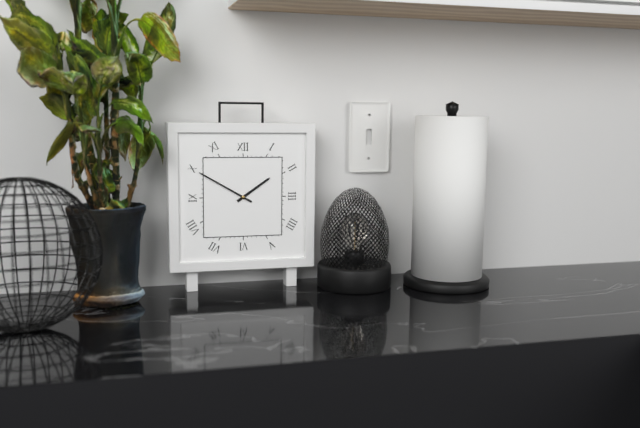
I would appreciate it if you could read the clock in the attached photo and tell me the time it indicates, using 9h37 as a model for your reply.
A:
1h50
